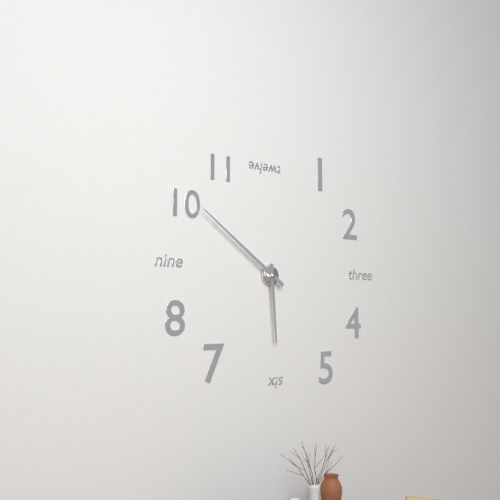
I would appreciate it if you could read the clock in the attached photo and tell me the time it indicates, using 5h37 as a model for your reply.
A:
5h51
